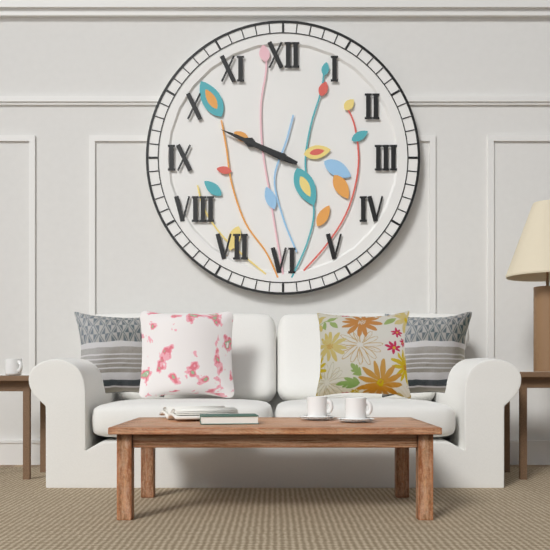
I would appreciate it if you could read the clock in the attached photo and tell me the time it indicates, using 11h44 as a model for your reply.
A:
9h49
